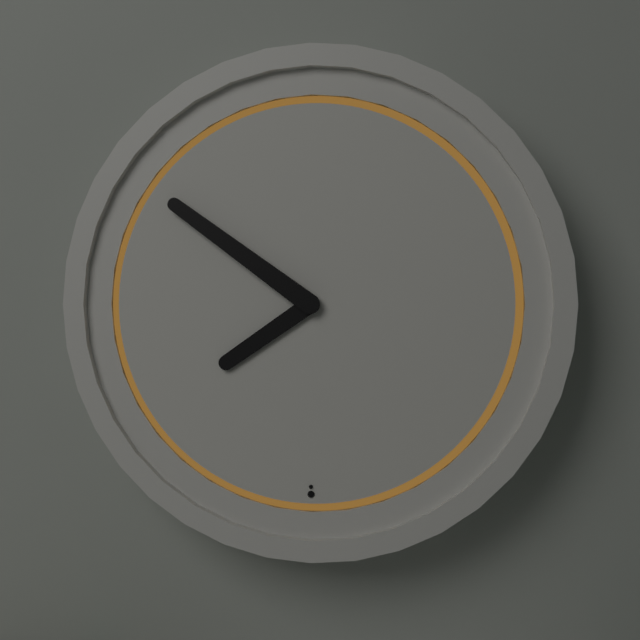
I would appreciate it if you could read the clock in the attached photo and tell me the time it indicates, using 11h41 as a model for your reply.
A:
7h51
